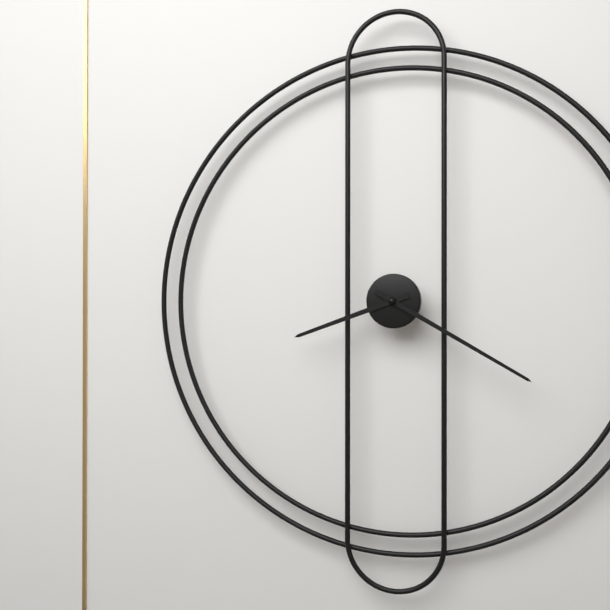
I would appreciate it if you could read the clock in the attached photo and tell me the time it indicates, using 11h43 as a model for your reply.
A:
8h20
